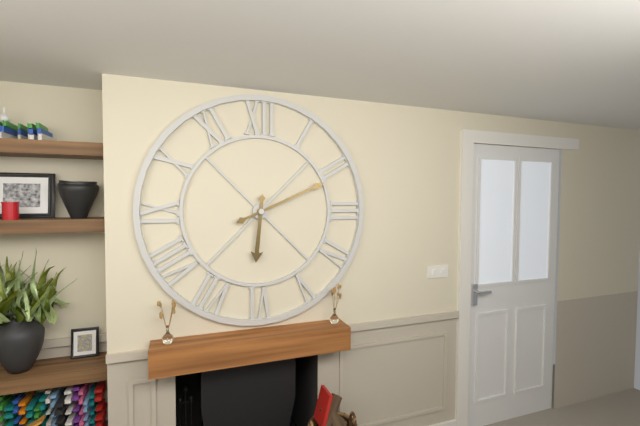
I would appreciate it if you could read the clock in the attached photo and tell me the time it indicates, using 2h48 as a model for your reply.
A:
6h11
